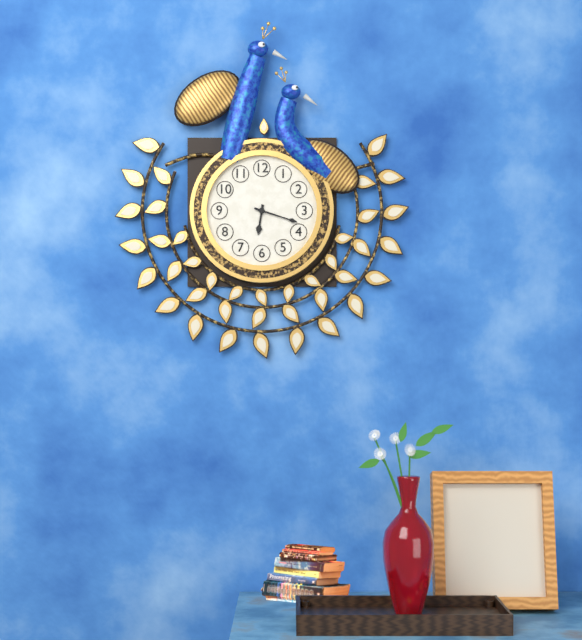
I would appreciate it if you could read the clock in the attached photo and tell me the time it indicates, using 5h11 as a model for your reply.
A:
6h18
